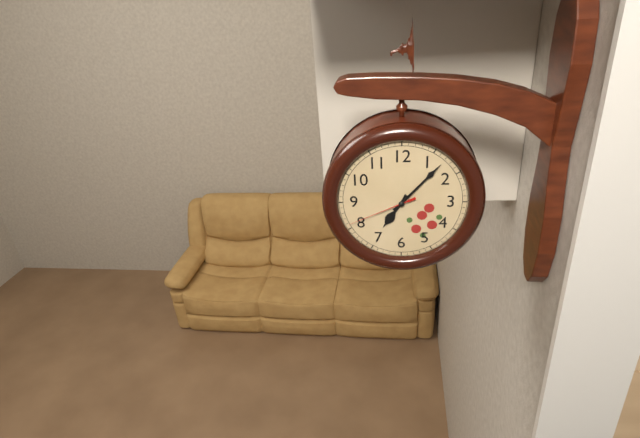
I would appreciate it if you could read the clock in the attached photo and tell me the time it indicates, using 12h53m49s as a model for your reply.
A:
7h07m41s
